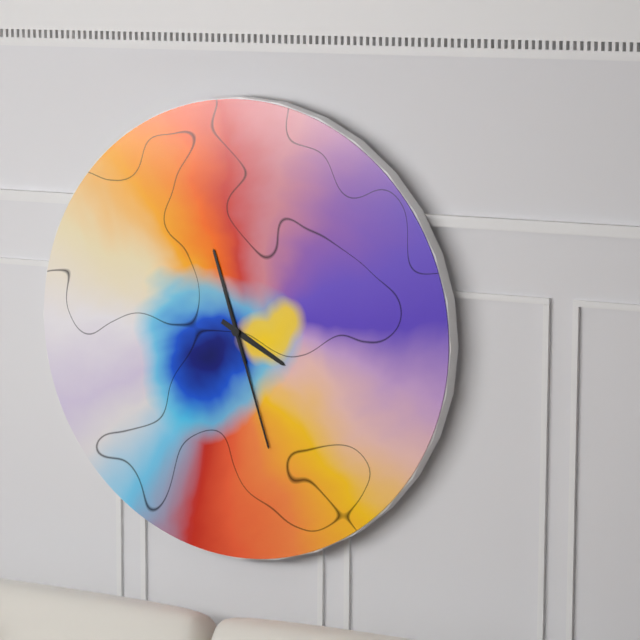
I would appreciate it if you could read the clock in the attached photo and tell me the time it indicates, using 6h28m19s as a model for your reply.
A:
3h57m27s
